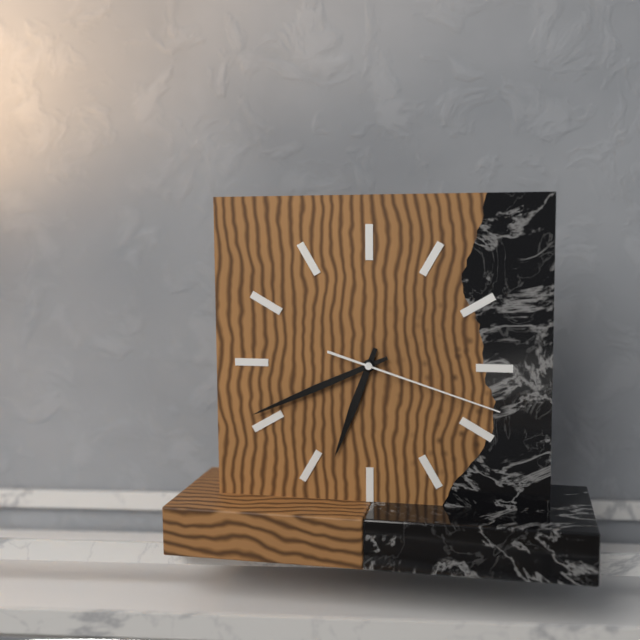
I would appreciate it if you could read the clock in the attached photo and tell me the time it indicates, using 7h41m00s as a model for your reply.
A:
6h41m18s
